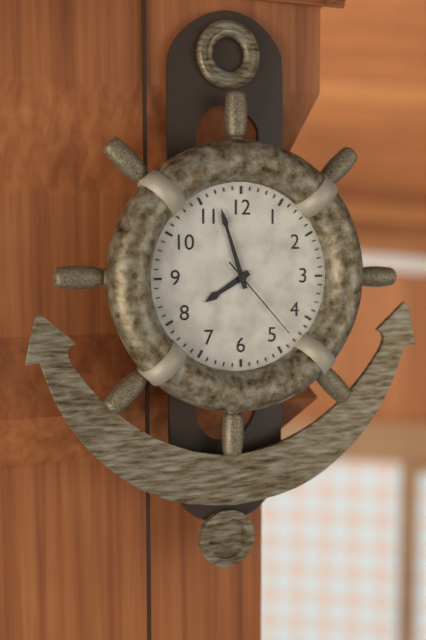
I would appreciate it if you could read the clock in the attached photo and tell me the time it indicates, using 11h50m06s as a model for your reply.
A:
7h57m23s
